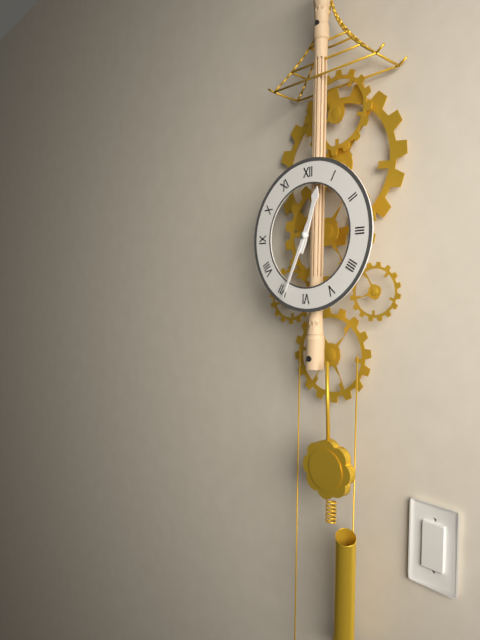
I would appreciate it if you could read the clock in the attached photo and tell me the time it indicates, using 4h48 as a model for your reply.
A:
12h34
